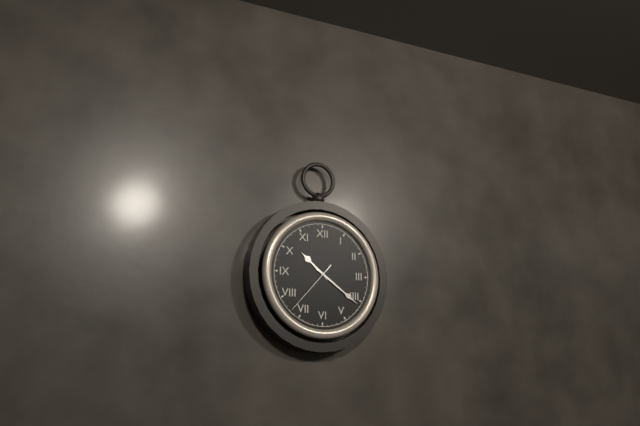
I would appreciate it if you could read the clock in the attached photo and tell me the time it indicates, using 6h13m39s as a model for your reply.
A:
10h21m37s
